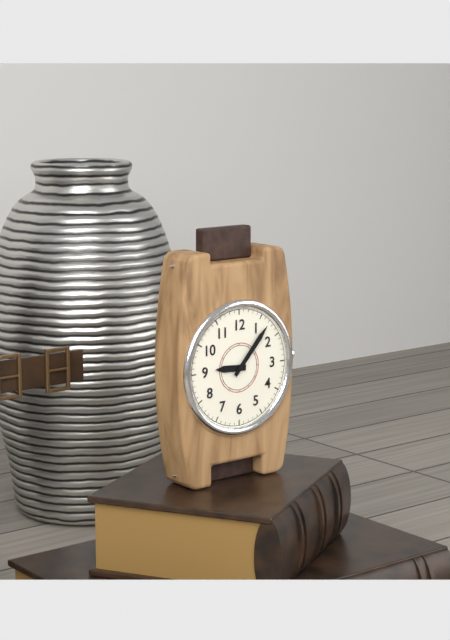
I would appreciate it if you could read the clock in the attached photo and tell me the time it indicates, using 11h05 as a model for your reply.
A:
9h07
